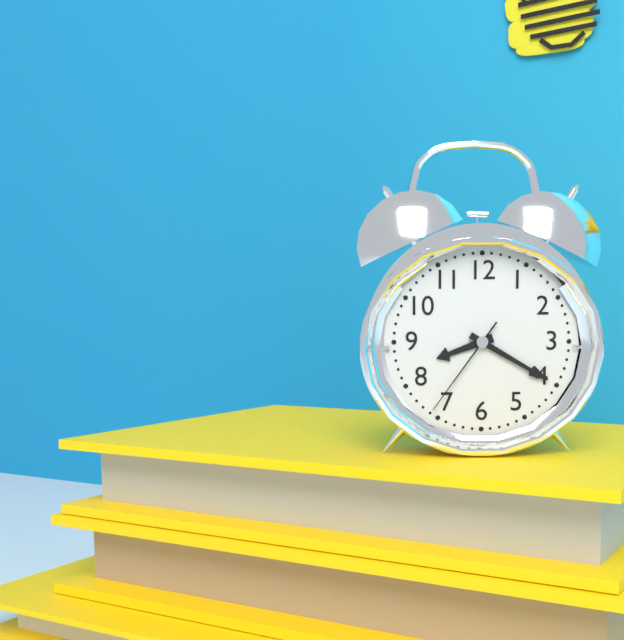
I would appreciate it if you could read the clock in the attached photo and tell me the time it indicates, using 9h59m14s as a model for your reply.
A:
8h20m36s
